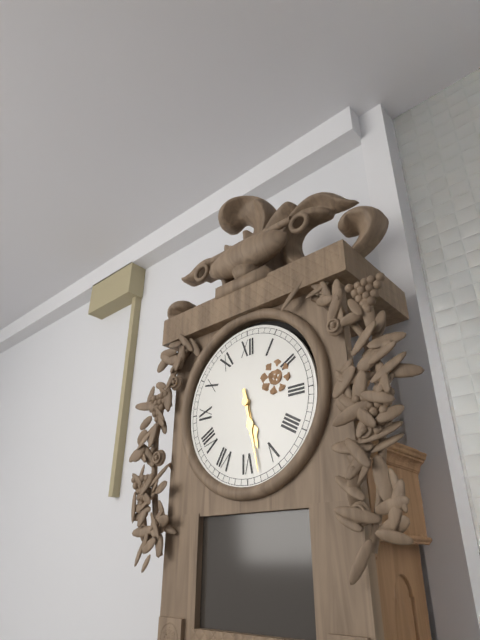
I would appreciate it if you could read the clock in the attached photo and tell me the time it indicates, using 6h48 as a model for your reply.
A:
5h28
